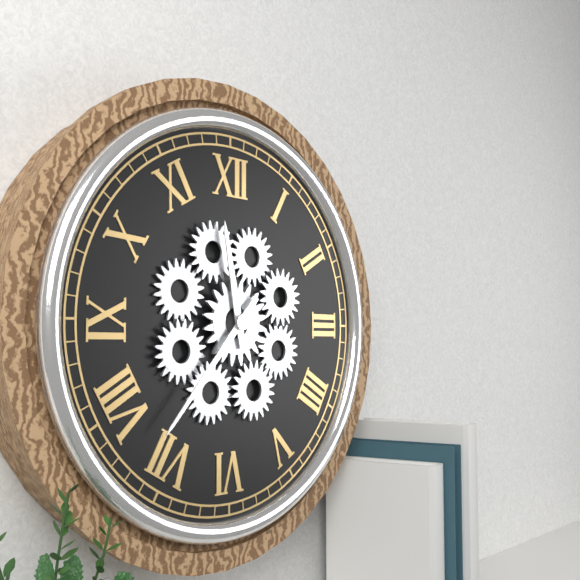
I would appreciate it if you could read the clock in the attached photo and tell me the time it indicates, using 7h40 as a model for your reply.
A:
11h37
